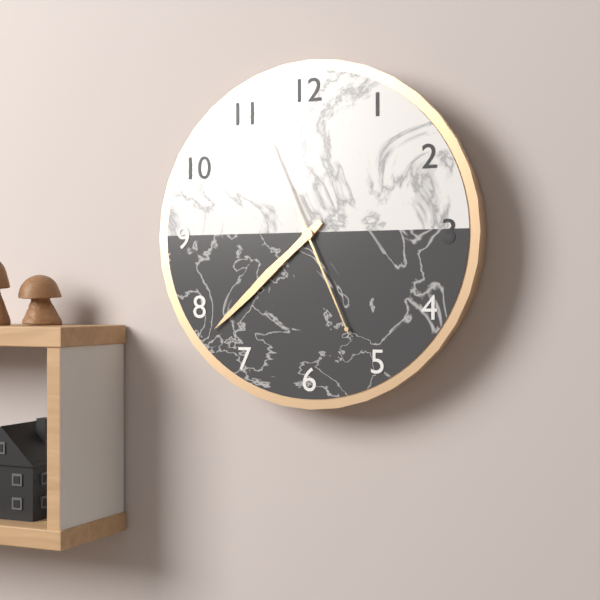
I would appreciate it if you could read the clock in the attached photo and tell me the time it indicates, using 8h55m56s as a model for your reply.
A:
7h38m26s
